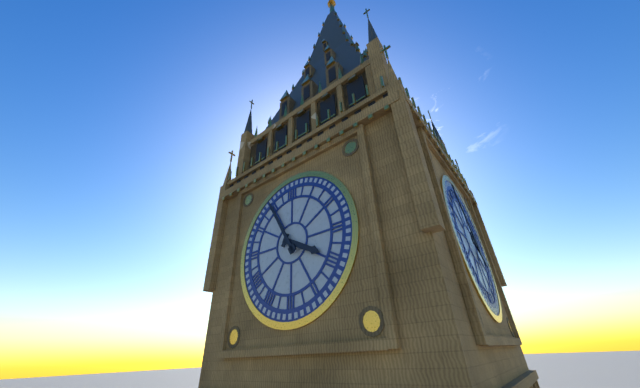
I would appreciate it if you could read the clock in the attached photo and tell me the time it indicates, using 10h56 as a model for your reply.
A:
3h55
